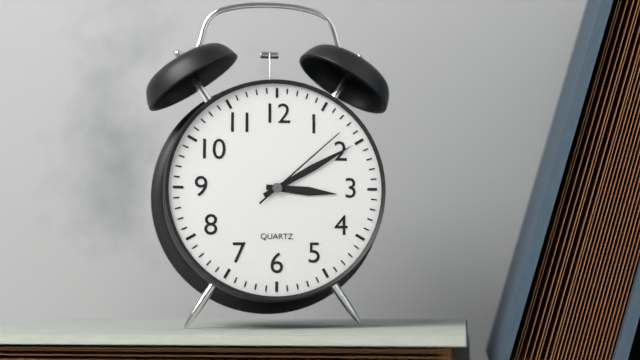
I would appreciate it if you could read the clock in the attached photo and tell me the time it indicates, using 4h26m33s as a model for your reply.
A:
3h10m08s
